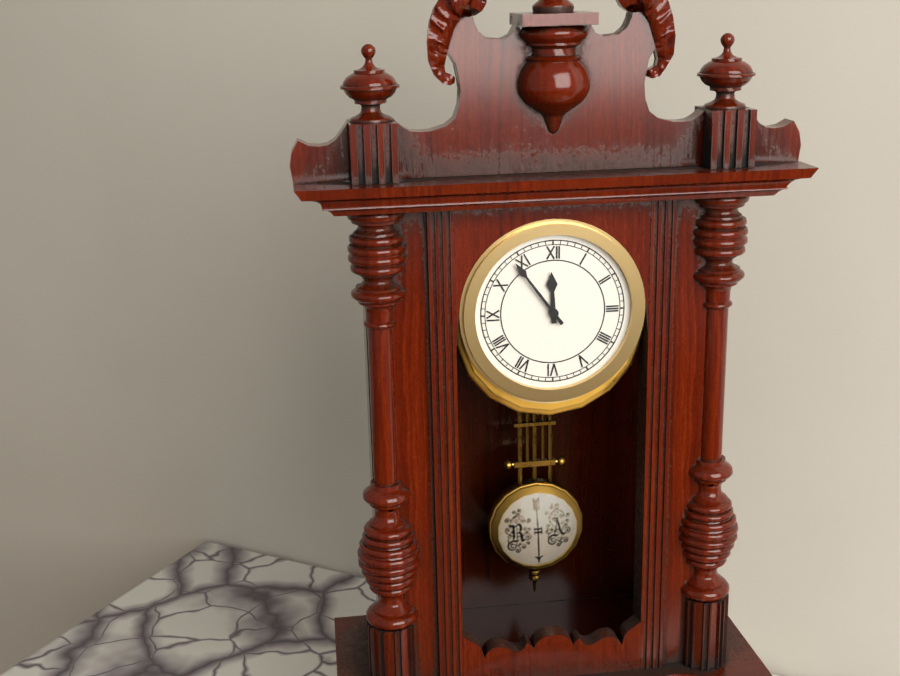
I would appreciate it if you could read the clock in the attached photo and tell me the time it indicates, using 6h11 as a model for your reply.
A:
11h54
